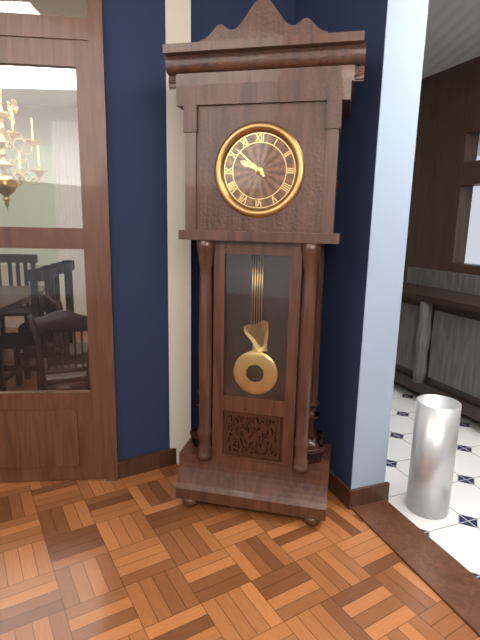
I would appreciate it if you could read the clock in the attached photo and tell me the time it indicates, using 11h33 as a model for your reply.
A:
9h52
